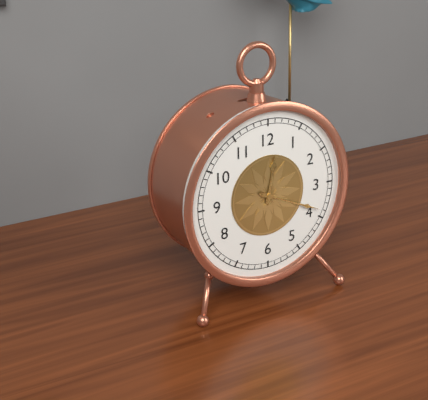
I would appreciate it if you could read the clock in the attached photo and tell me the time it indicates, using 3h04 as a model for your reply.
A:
12h19
